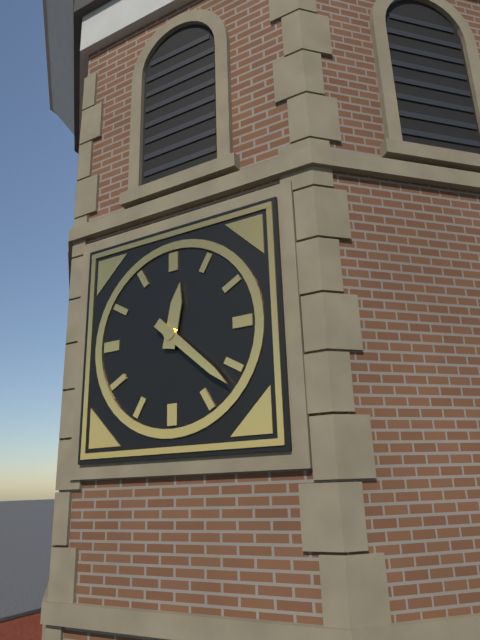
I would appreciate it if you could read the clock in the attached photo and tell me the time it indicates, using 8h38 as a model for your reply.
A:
12h22
